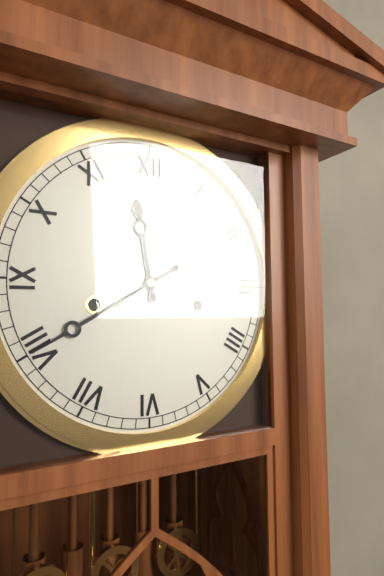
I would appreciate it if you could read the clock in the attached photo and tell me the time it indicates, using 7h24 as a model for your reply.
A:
11h40
